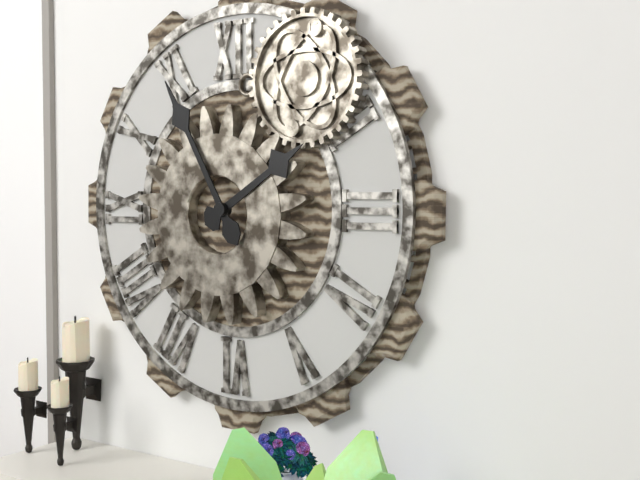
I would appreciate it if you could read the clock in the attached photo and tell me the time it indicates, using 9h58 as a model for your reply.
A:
1h55
